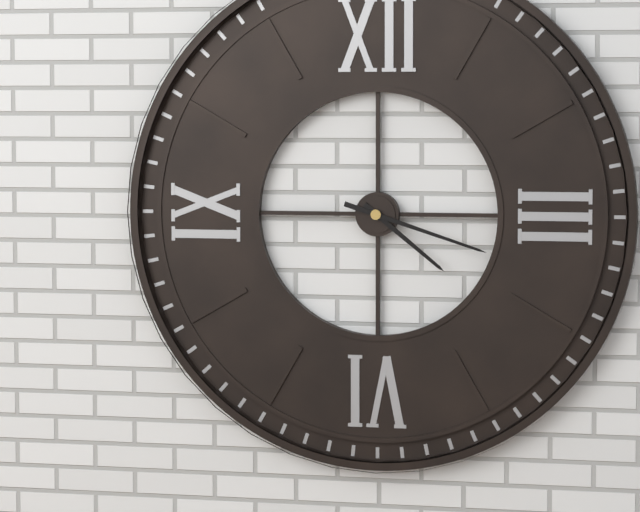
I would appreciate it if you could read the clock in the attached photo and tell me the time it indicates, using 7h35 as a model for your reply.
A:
4h18
